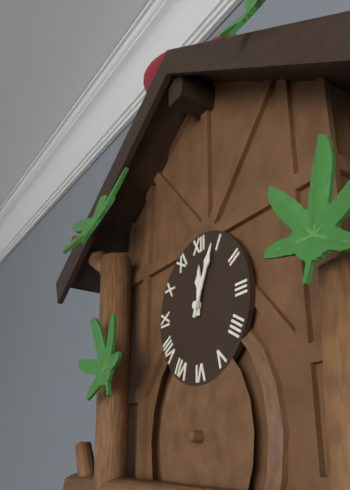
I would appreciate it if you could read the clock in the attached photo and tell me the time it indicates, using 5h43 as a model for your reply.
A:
12h04
